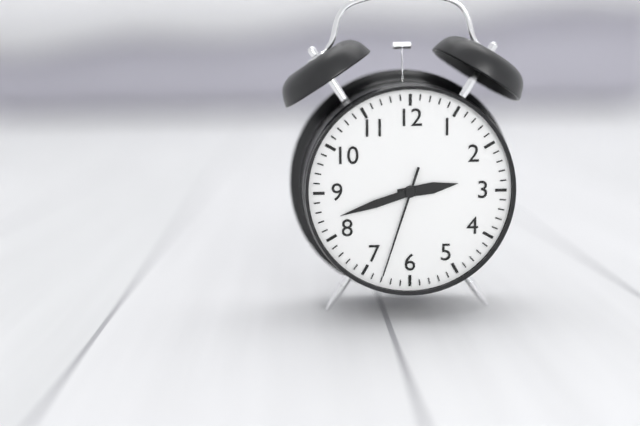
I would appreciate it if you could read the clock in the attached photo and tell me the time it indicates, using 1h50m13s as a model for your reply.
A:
2h42m33s
